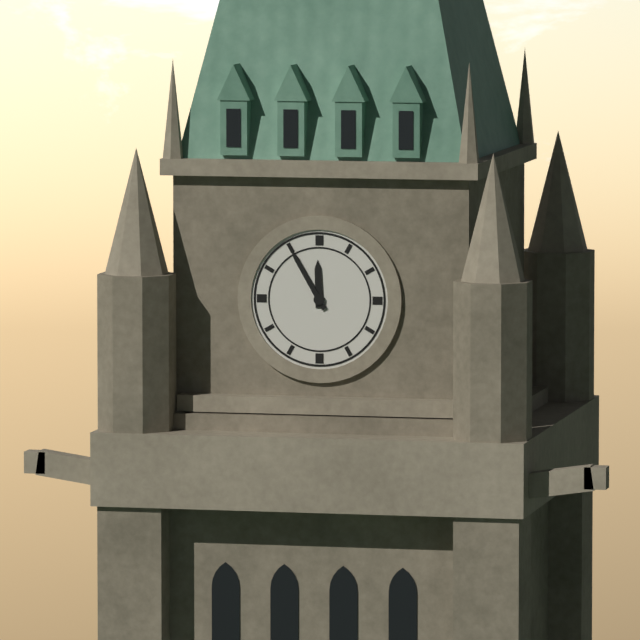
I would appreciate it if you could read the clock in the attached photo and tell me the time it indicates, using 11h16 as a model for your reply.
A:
11h55
